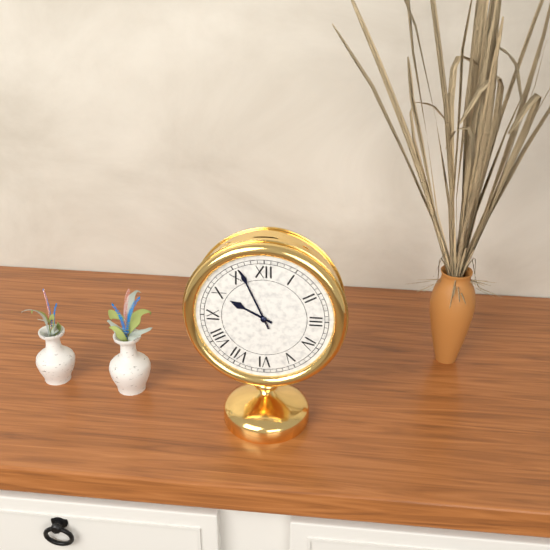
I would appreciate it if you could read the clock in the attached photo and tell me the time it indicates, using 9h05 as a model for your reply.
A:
9h56
